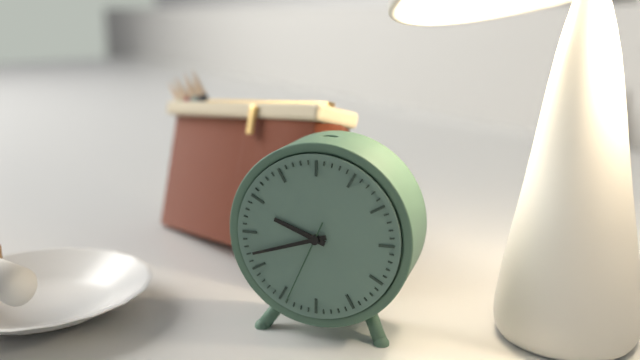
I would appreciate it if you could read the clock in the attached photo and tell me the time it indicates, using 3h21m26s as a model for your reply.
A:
9h42m34s
